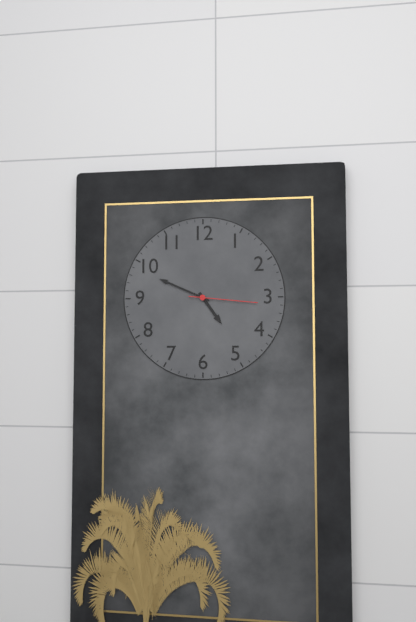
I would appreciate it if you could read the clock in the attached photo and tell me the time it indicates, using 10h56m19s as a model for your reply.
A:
4h49m16s
